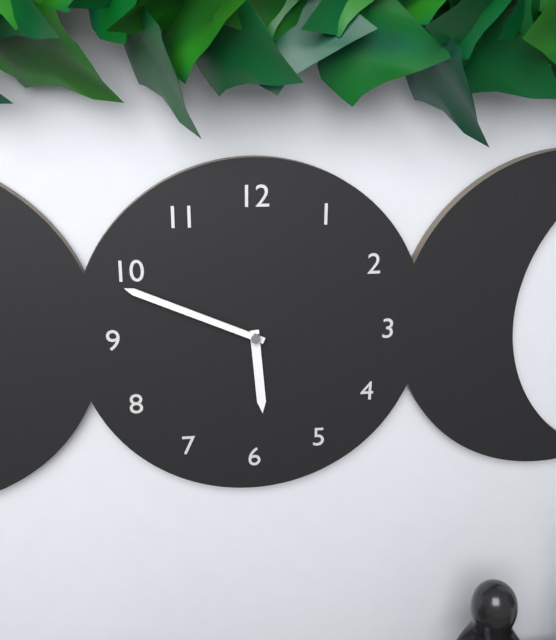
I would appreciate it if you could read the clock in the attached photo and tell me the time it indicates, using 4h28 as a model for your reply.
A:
5h49
